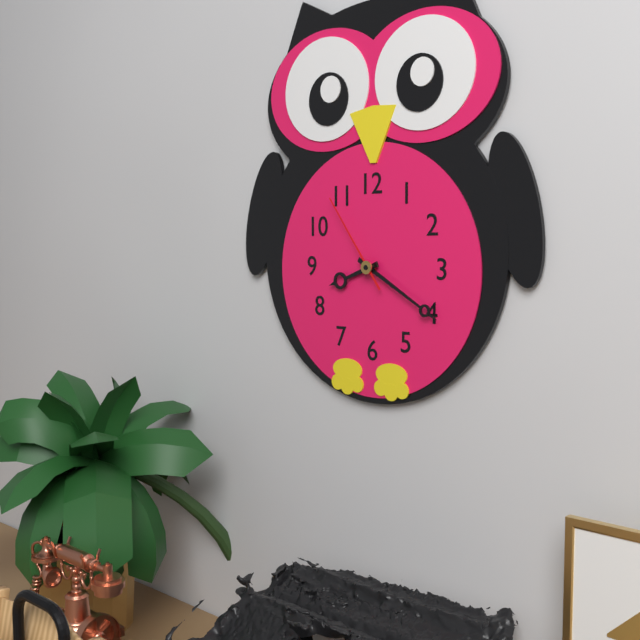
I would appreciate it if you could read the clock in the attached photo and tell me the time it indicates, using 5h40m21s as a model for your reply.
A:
8h20m54s
